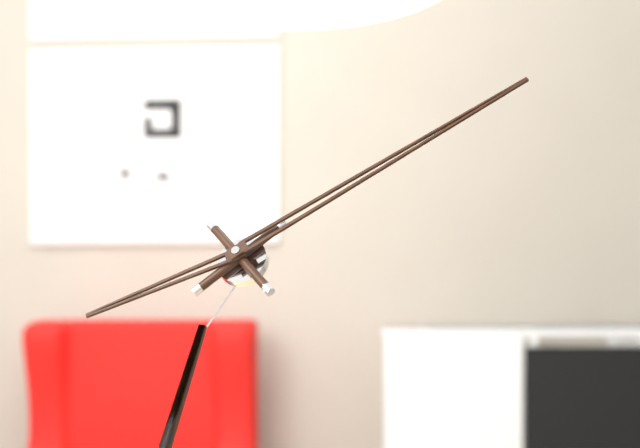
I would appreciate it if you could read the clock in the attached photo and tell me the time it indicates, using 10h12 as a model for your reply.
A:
8h09
